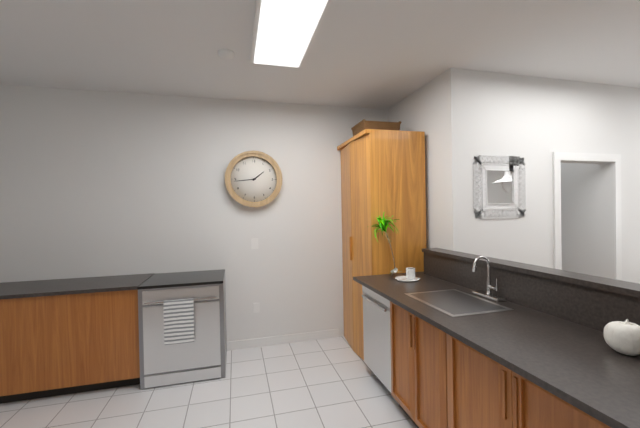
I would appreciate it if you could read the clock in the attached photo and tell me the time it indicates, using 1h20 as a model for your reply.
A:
1h44
